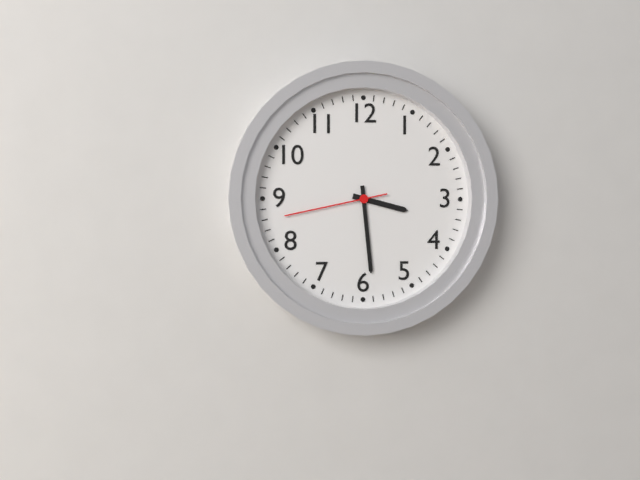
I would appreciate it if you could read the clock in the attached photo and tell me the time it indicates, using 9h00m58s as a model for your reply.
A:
3h29m43s
